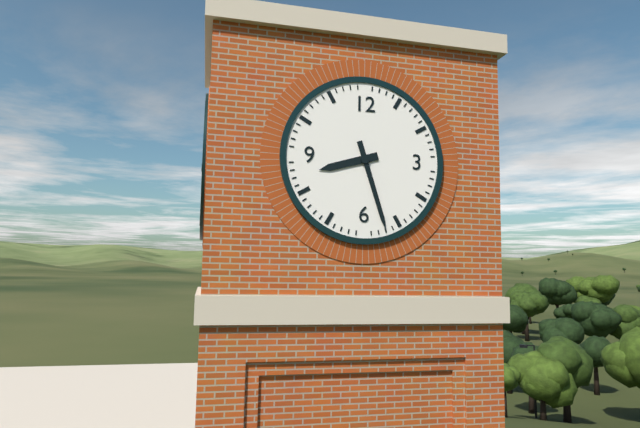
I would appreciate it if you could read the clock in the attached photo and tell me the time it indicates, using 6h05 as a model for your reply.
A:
8h27
